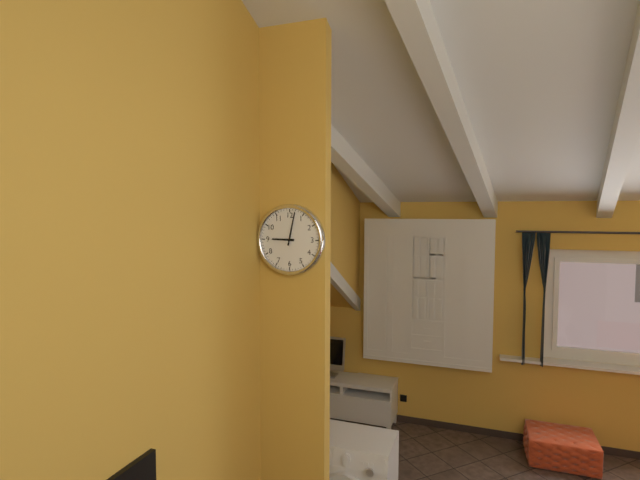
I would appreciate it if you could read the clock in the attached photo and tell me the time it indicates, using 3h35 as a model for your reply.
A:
9h02
